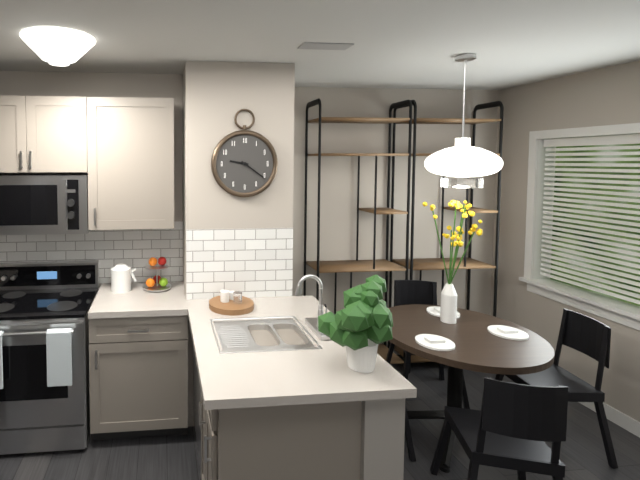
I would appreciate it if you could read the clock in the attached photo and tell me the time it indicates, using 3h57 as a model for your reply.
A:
9h21
